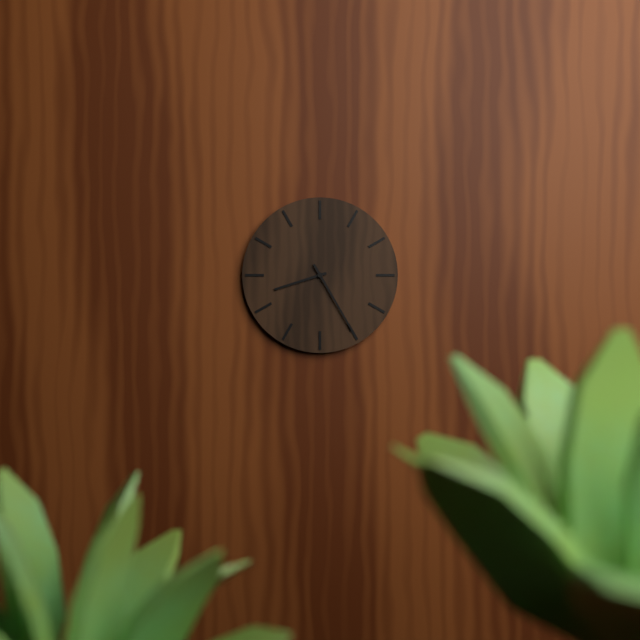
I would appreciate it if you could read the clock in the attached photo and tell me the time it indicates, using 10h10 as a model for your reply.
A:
8h25
